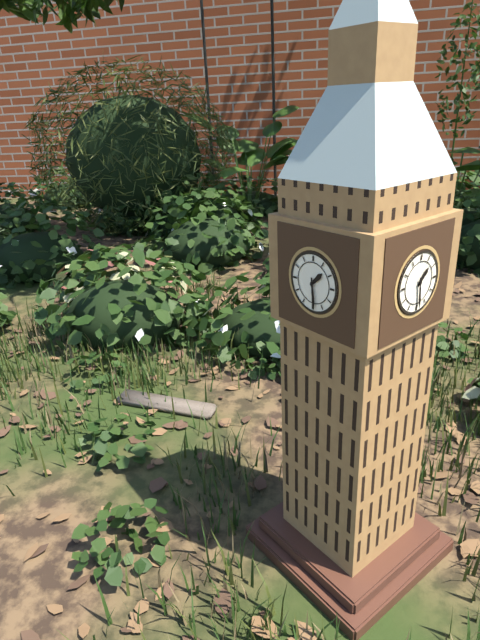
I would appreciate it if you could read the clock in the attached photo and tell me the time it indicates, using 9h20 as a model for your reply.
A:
1h29
